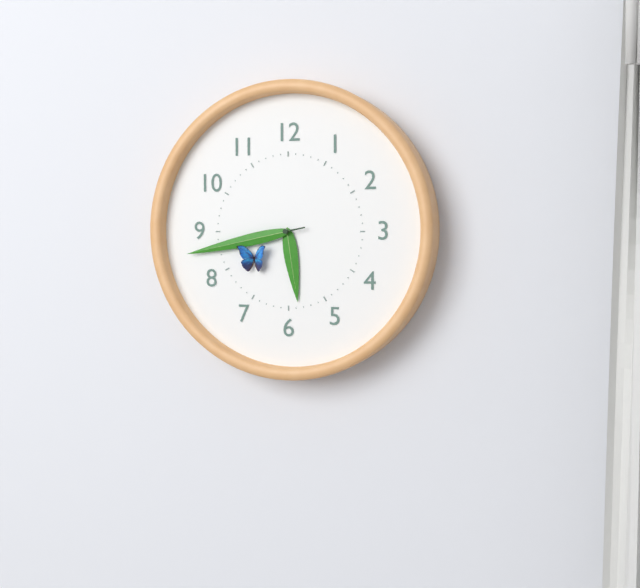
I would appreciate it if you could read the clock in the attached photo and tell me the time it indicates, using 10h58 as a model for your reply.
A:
5h43
